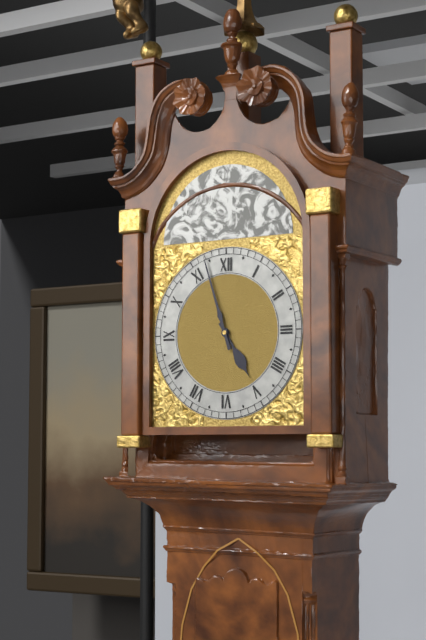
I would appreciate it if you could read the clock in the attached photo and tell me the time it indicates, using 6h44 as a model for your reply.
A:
4h57
